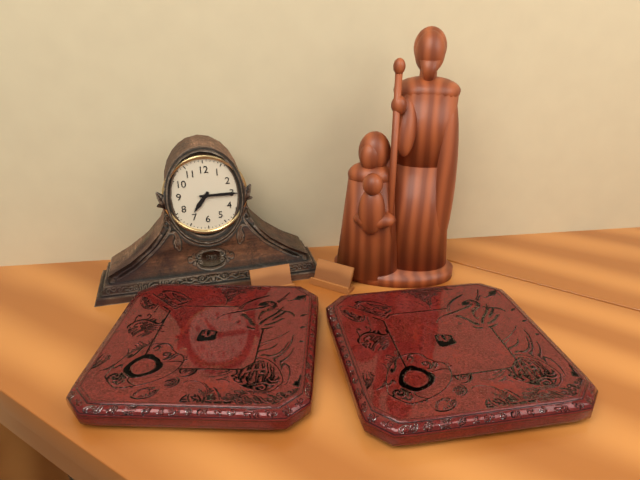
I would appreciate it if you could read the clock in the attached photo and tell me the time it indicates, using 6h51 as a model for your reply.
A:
7h15
